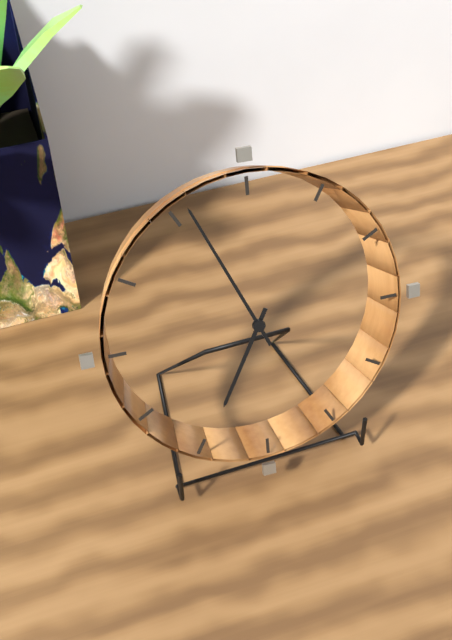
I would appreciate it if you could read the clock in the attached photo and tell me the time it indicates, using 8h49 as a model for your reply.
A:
6h56
